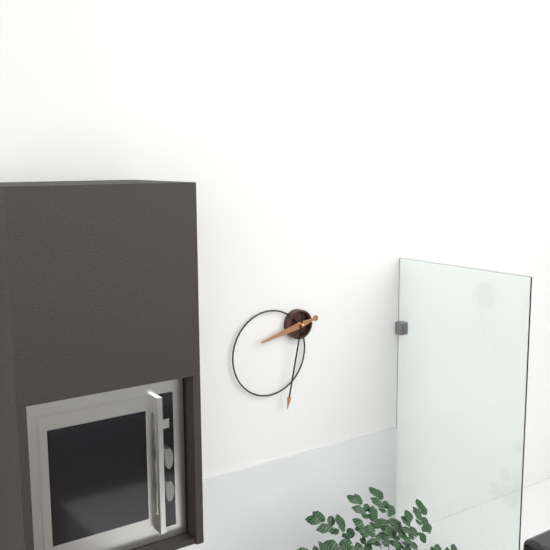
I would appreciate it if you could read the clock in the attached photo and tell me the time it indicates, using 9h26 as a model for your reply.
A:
8h32
